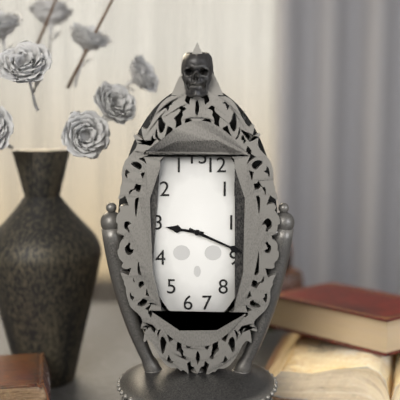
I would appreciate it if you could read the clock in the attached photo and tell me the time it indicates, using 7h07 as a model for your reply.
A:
9h19
